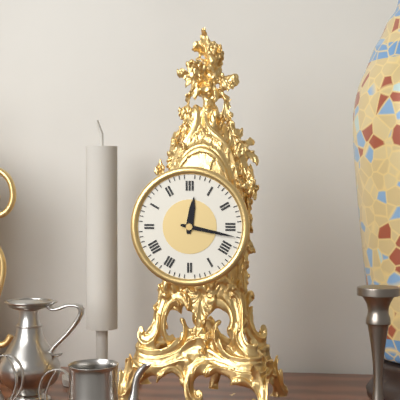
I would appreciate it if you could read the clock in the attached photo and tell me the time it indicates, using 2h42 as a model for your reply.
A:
12h17
